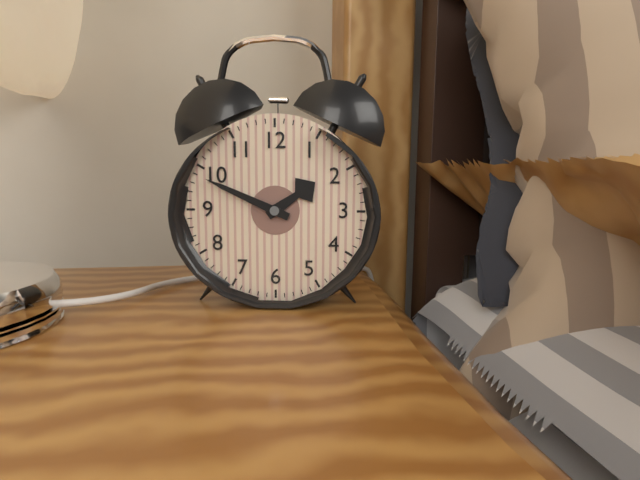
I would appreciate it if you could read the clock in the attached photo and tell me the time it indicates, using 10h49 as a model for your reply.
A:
1h49
